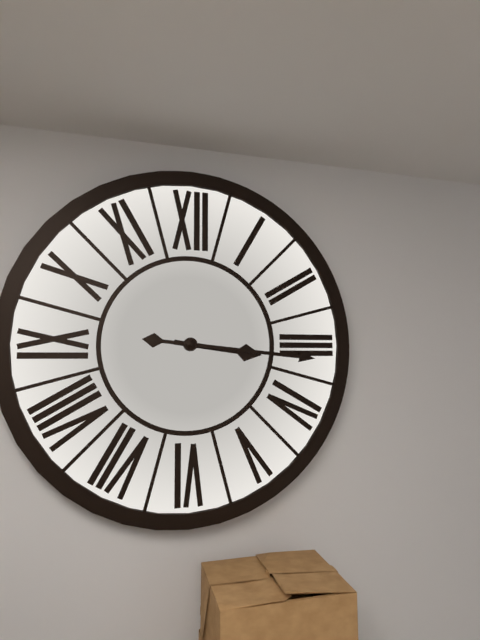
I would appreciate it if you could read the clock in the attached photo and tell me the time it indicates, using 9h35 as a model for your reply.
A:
3h16
